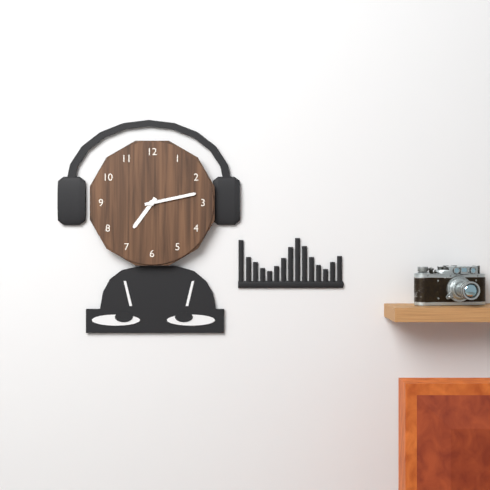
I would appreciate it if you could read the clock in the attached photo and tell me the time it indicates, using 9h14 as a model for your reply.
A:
7h13
